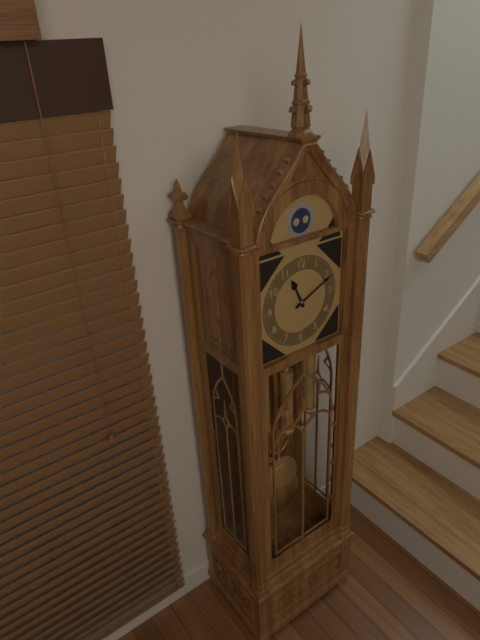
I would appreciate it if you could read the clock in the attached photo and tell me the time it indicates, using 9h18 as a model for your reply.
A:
11h11
